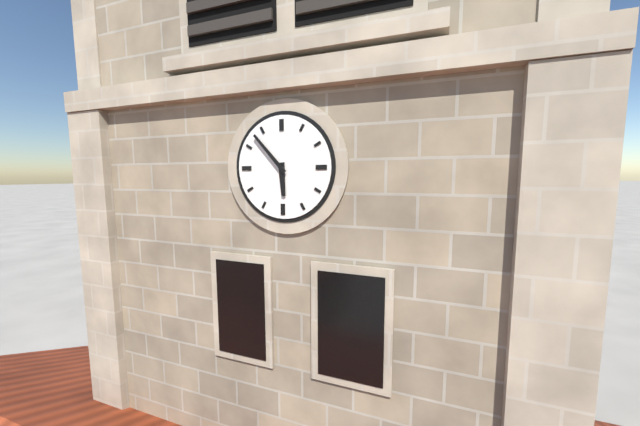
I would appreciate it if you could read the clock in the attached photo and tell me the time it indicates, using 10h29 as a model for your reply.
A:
5h53
